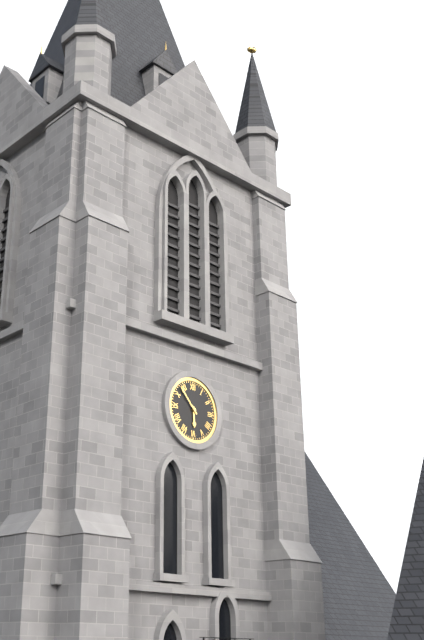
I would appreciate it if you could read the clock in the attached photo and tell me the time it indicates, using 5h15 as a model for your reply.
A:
5h53
